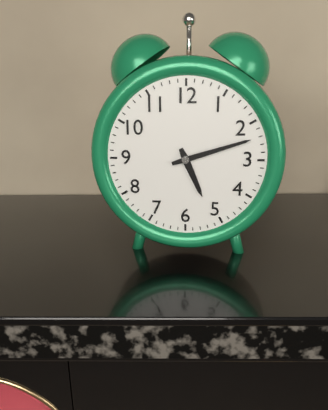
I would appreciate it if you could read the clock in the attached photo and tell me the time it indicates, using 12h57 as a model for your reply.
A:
5h12
